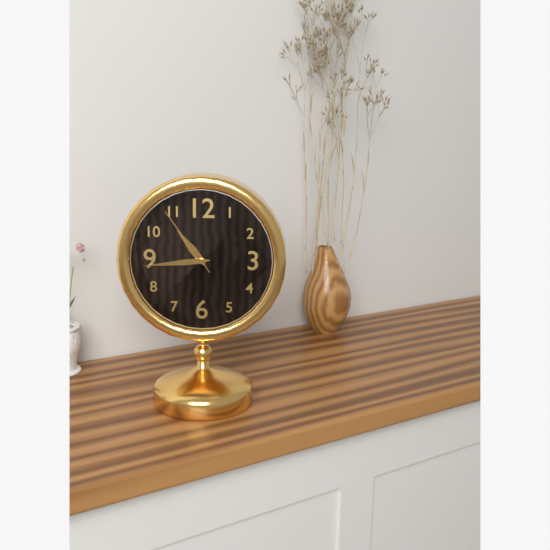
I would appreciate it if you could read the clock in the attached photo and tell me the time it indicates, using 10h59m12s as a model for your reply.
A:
10h44m54s
